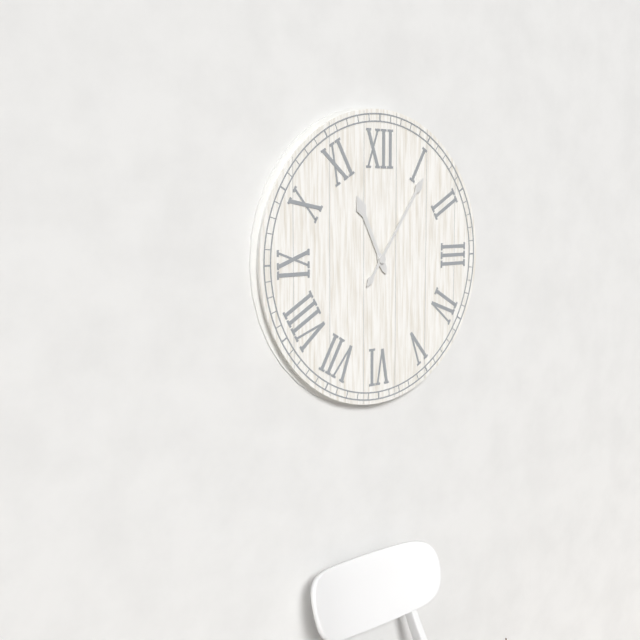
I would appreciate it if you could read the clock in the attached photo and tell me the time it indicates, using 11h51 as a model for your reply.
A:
11h06
